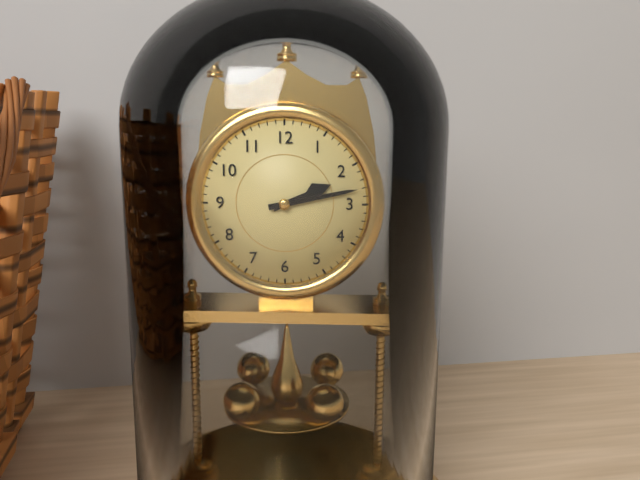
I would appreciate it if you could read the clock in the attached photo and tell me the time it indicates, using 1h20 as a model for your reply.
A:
2h13
